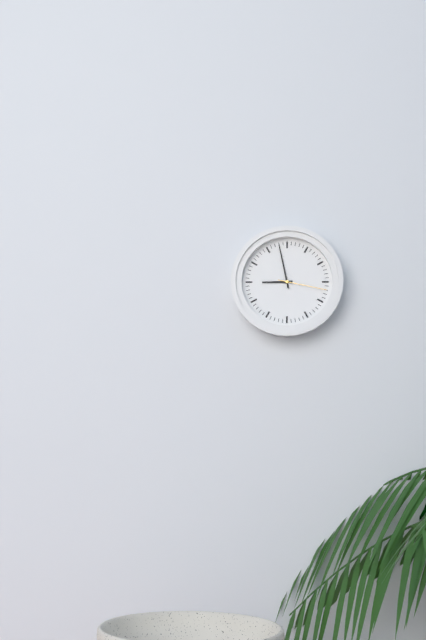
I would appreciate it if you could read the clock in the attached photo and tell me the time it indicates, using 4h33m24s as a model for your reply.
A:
8h58m17s
